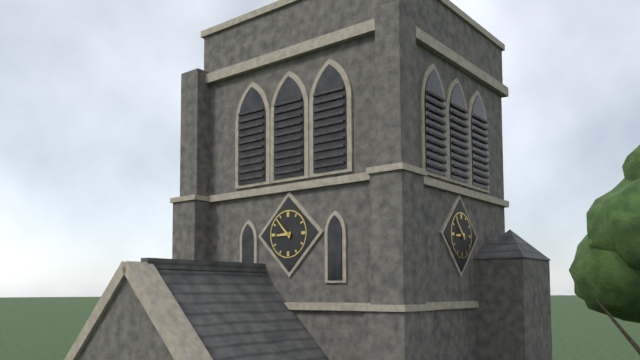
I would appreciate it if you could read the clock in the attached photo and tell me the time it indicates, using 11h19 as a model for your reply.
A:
8h53
